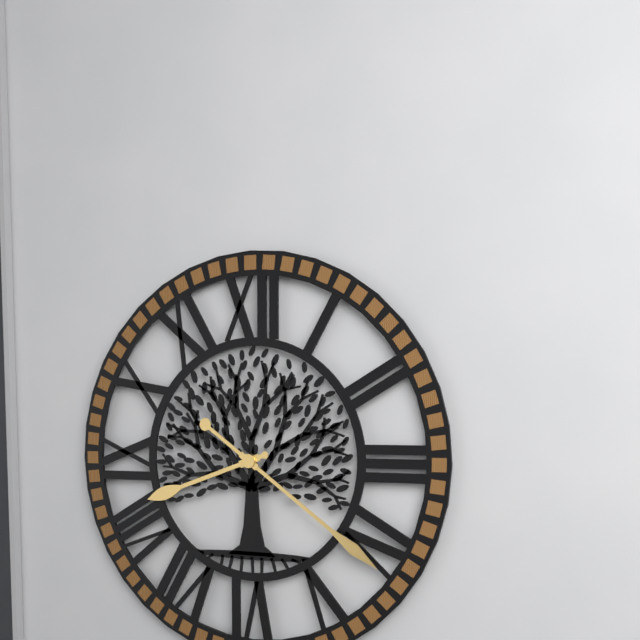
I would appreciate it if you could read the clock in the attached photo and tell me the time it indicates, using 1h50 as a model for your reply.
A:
8h21
